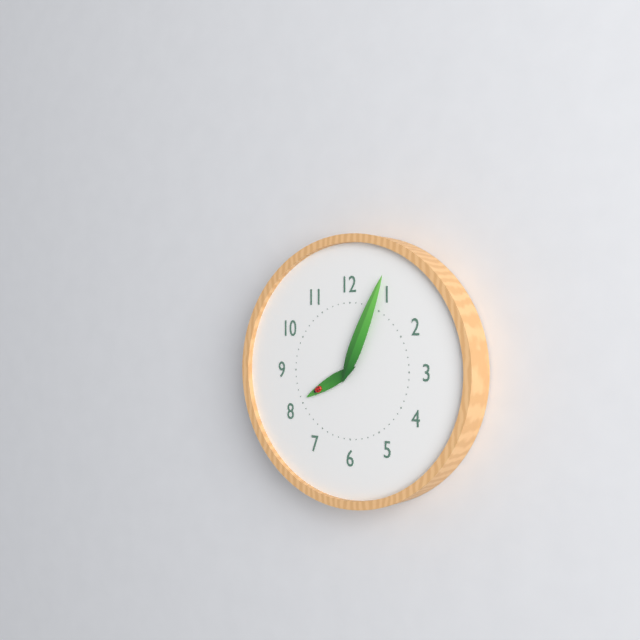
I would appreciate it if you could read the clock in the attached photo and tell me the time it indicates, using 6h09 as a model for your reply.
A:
8h04
